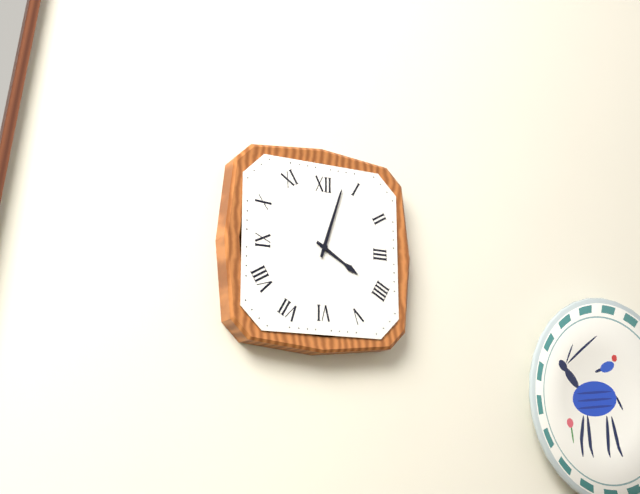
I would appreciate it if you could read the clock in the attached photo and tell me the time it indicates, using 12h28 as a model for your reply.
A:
4h03
